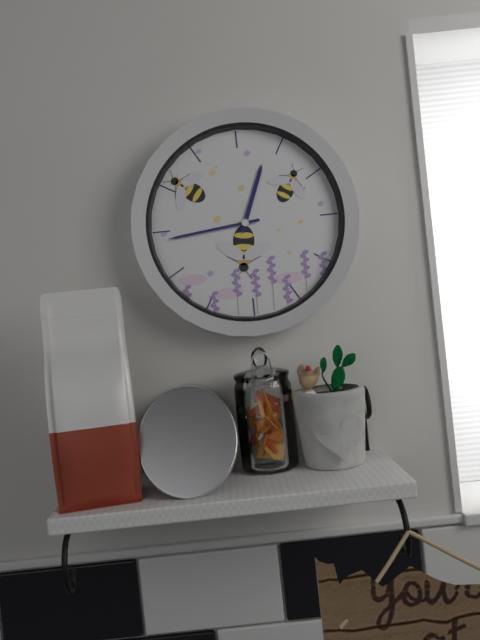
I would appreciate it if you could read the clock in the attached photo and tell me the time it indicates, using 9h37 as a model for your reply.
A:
12h44
